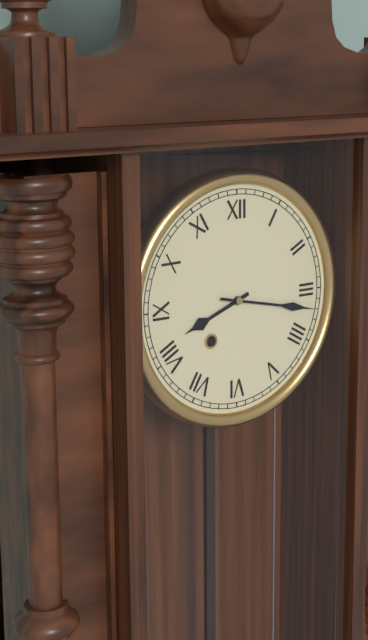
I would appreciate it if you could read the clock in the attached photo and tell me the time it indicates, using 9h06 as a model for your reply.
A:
8h17
